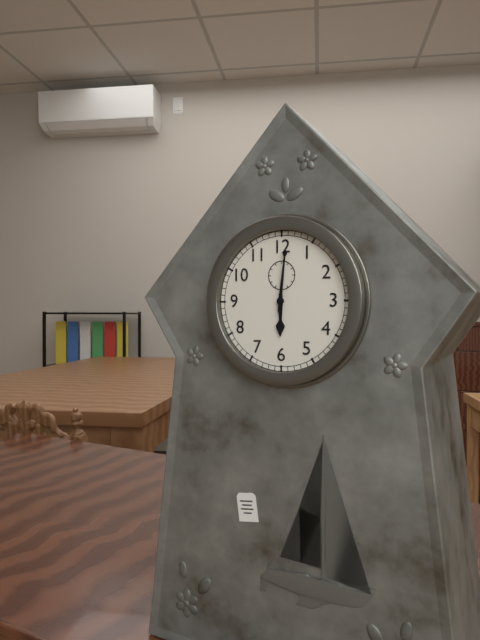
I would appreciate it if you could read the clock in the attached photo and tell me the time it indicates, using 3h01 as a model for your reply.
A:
6h01
